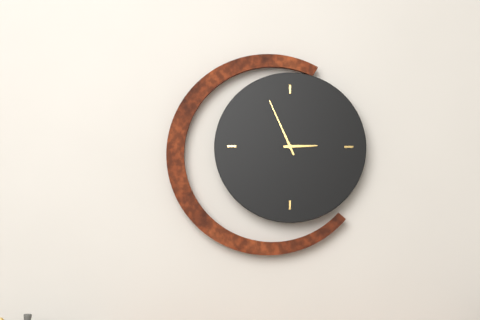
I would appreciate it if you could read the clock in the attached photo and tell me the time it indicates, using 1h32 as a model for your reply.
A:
2h56
